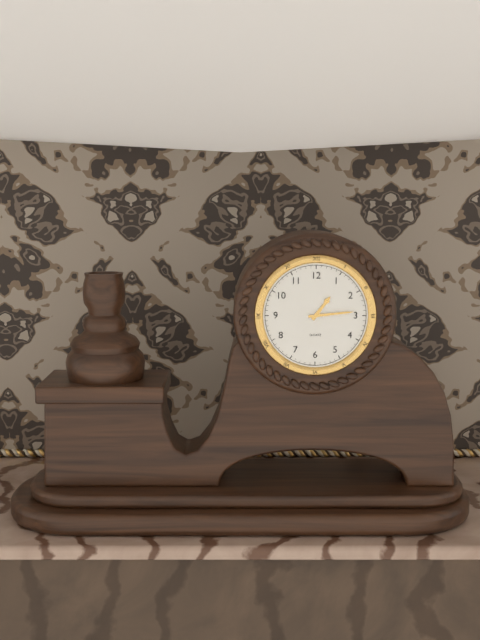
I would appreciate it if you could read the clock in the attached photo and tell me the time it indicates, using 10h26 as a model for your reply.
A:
1h14
